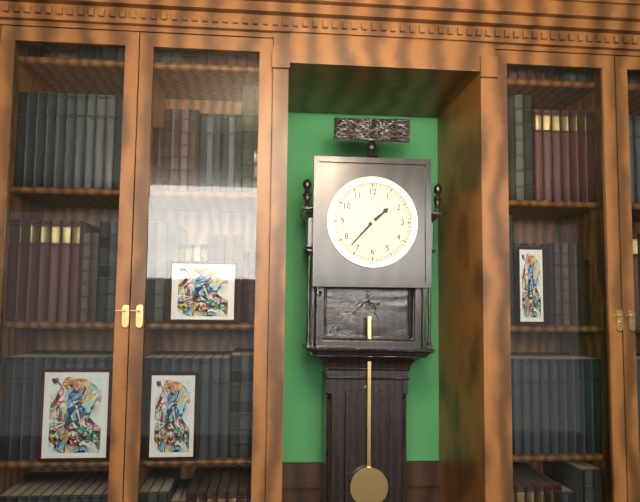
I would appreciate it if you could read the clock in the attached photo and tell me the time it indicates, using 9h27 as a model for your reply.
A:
1h37
